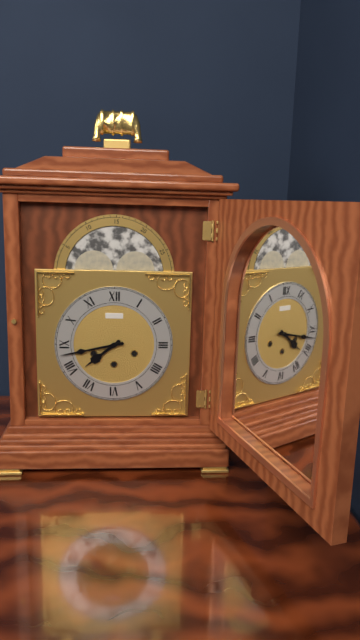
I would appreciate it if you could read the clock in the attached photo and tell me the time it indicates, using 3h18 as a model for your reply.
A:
7h43
